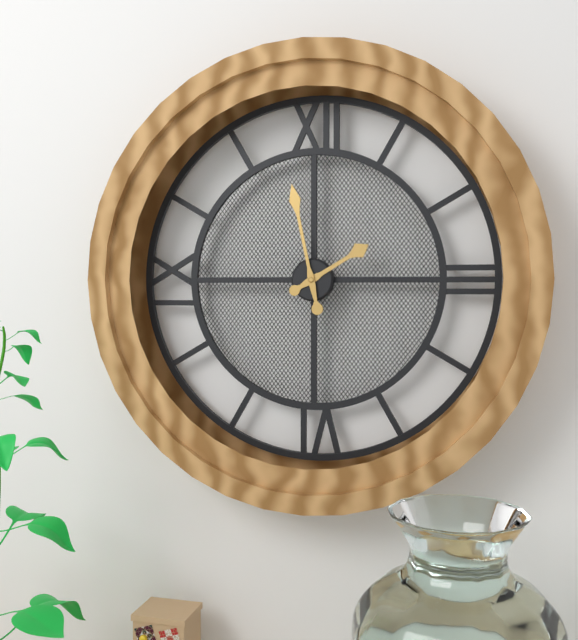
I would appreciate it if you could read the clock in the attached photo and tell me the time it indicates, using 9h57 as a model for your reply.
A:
1h58
